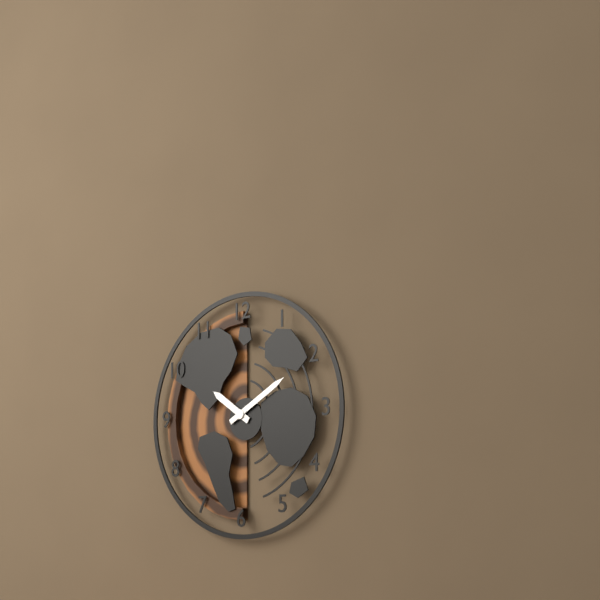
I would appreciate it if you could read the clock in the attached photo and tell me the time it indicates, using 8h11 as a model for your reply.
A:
10h10
